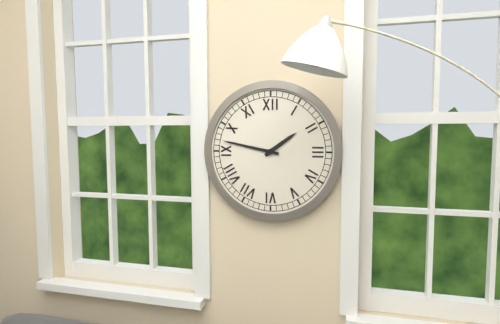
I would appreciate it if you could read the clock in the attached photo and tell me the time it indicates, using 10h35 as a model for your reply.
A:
1h47
